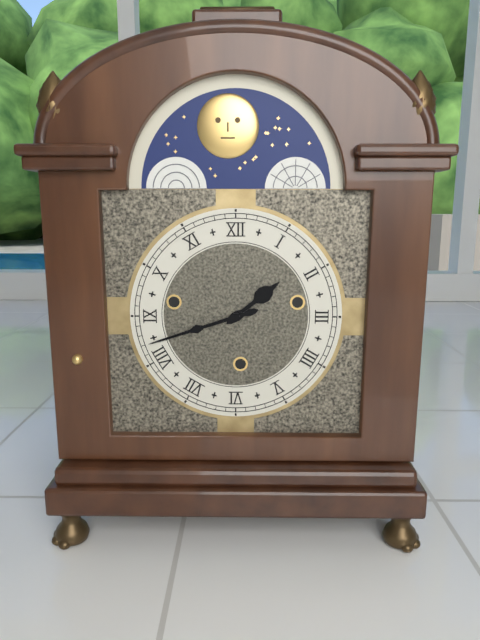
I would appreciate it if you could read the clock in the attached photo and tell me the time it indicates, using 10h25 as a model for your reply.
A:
1h42
